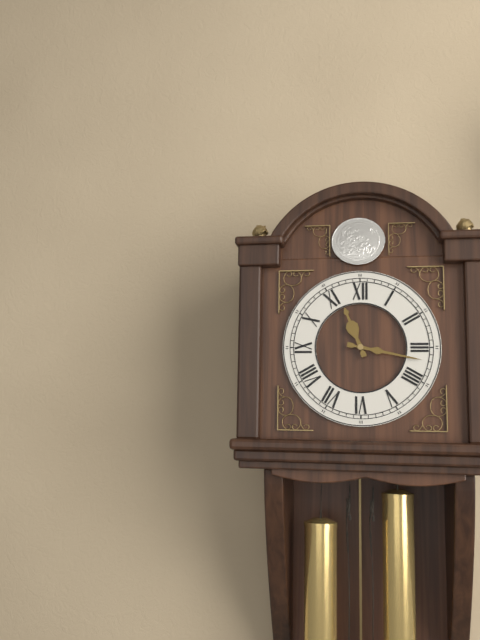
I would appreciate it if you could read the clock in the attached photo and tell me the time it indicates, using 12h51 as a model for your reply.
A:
11h17
